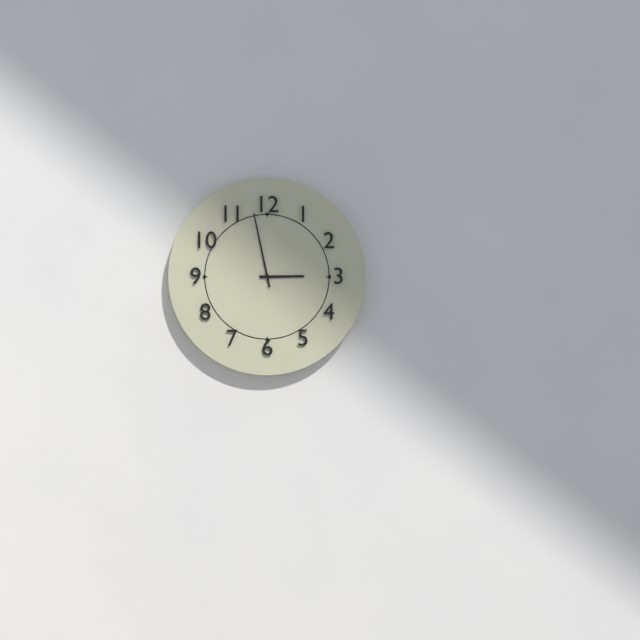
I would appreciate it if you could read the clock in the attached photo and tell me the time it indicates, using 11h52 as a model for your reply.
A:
2h58
